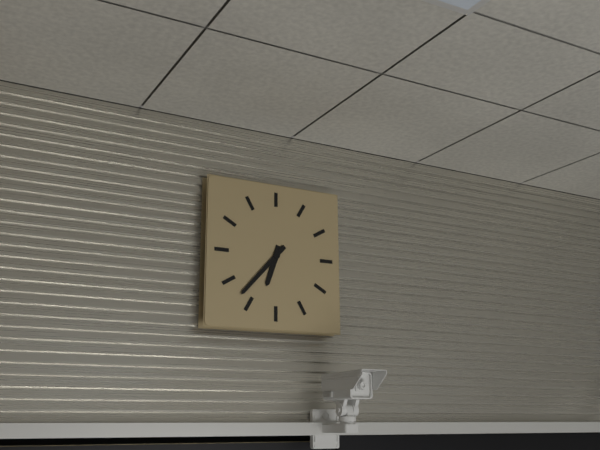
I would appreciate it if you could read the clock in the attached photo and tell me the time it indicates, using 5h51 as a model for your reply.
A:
6h37
